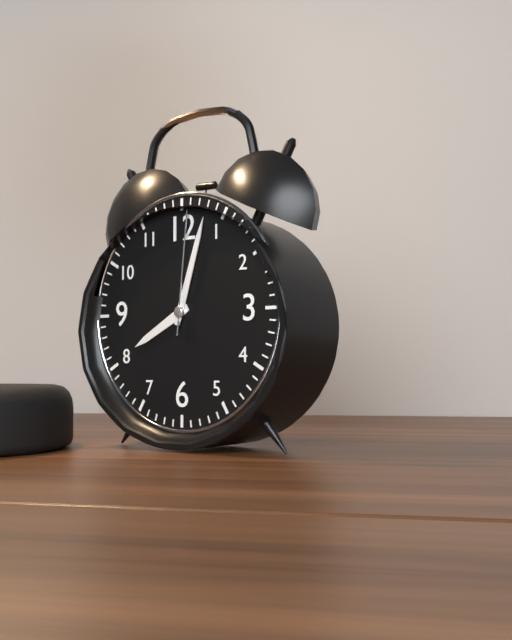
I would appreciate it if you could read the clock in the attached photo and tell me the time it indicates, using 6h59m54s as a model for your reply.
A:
8h03m01s
